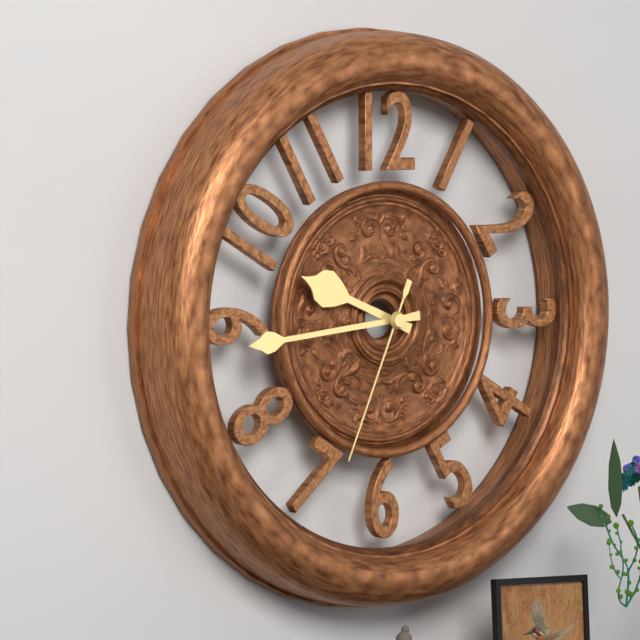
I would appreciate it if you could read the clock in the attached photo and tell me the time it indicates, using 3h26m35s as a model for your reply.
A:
9h44m34s
